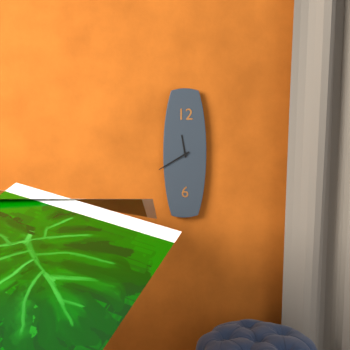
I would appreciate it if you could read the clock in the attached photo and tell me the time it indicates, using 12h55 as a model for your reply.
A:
11h40
